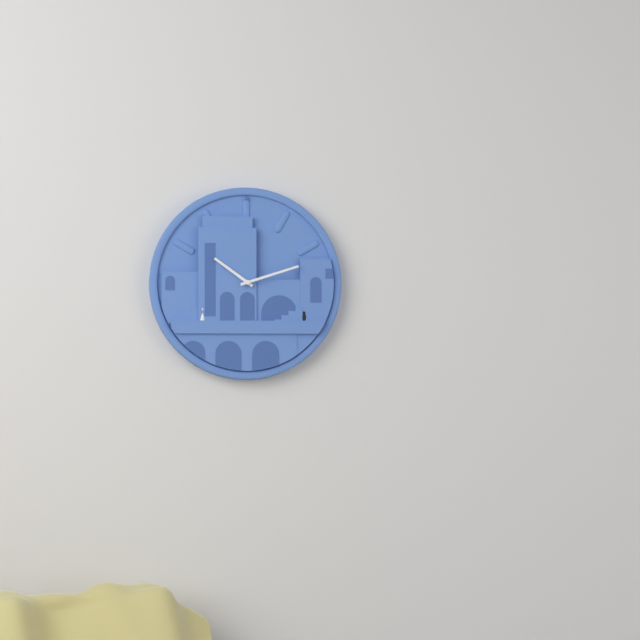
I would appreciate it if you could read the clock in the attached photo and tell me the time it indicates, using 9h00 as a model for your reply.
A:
10h12
